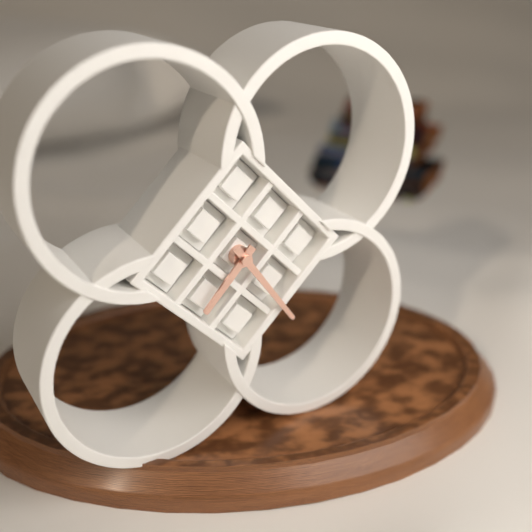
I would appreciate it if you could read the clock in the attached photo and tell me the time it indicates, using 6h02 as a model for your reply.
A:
7h24
